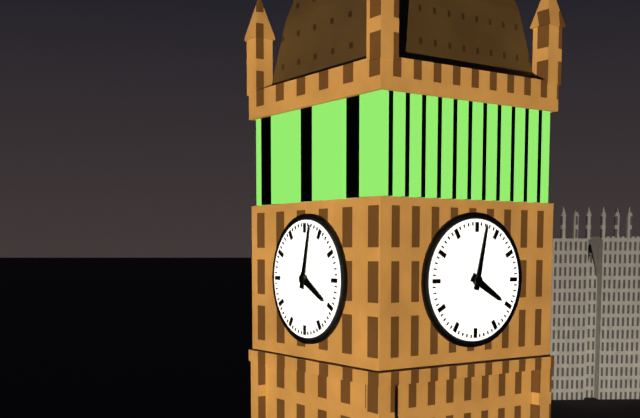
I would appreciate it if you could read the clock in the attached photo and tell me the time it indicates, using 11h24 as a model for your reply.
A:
4h02
